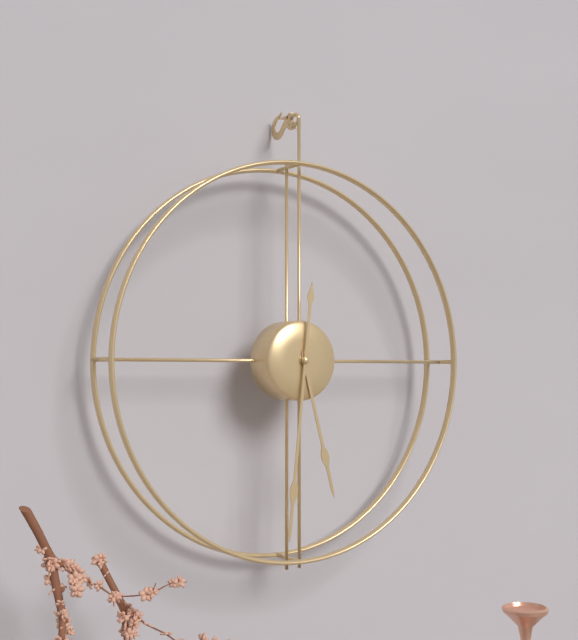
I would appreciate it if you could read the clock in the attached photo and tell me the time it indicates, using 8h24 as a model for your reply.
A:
5h31
